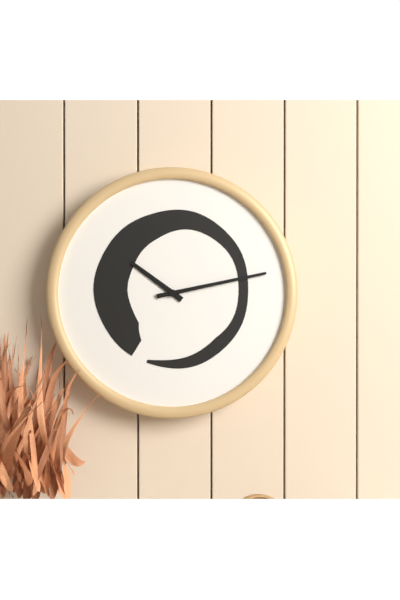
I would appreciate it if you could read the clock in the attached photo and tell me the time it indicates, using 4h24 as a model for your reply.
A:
10h13
